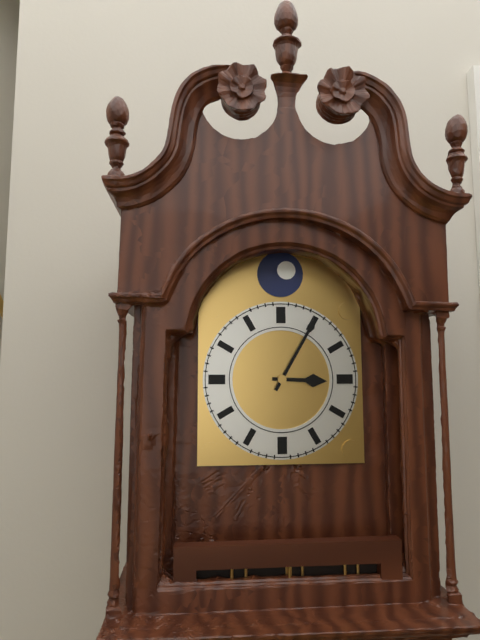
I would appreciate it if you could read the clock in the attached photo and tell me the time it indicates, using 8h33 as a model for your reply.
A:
3h05
